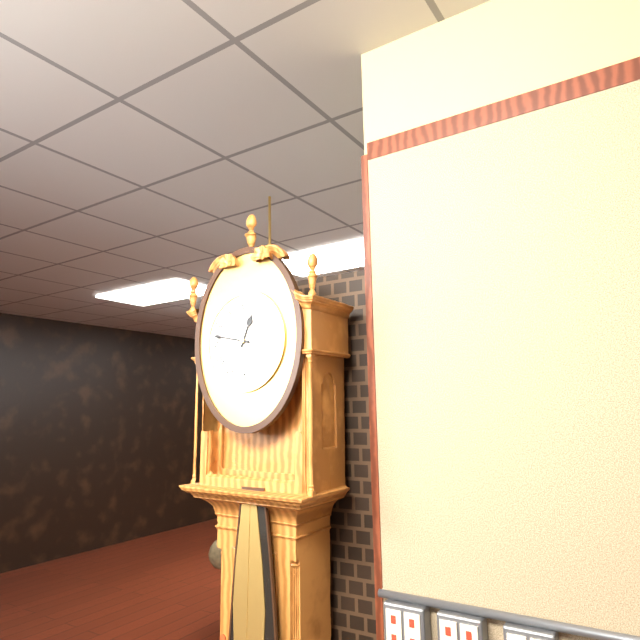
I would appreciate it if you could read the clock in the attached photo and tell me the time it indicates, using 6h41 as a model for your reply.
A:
12h47
